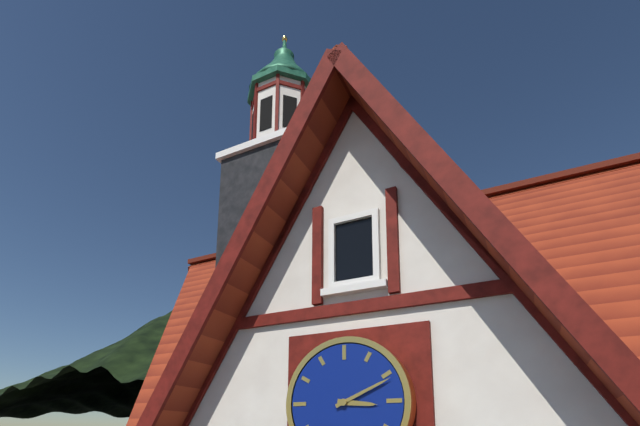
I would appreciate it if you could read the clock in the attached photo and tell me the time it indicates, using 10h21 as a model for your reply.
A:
3h11
